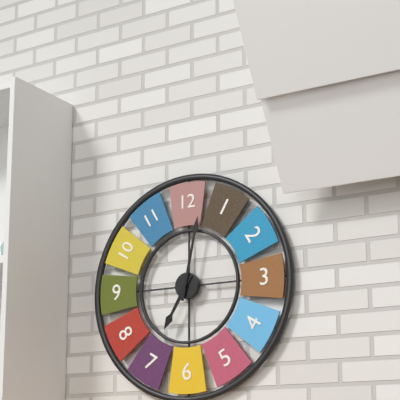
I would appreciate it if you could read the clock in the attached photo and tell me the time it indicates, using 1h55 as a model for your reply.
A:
7h02
